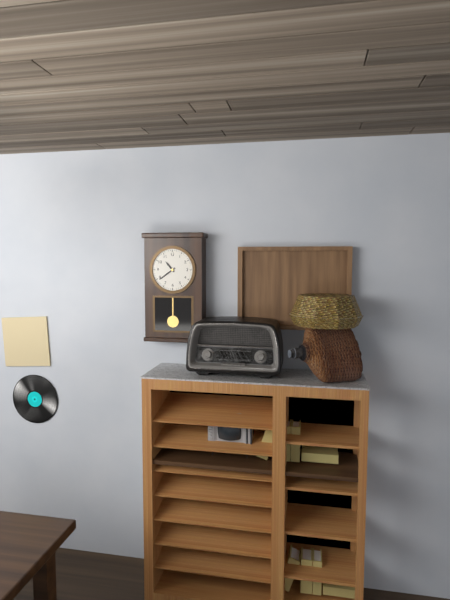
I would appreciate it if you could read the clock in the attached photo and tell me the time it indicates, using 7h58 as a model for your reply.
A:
10h39
